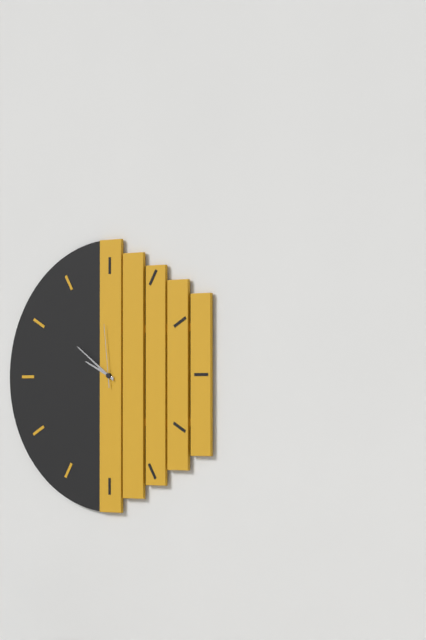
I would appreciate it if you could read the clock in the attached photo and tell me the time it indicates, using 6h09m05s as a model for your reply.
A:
9h51m59s
